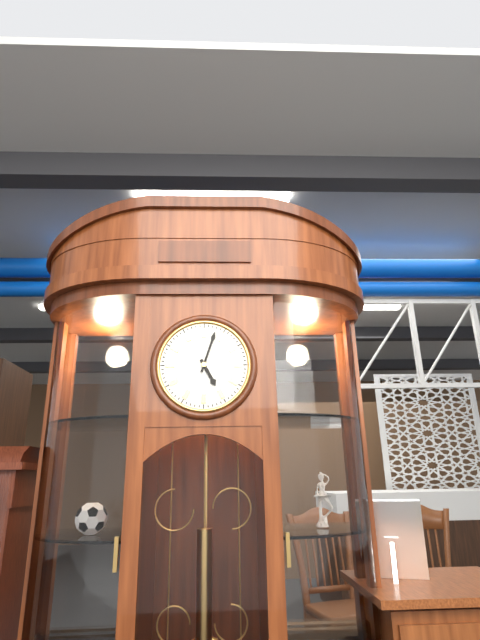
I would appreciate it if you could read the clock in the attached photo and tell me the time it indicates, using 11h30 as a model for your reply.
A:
5h03
